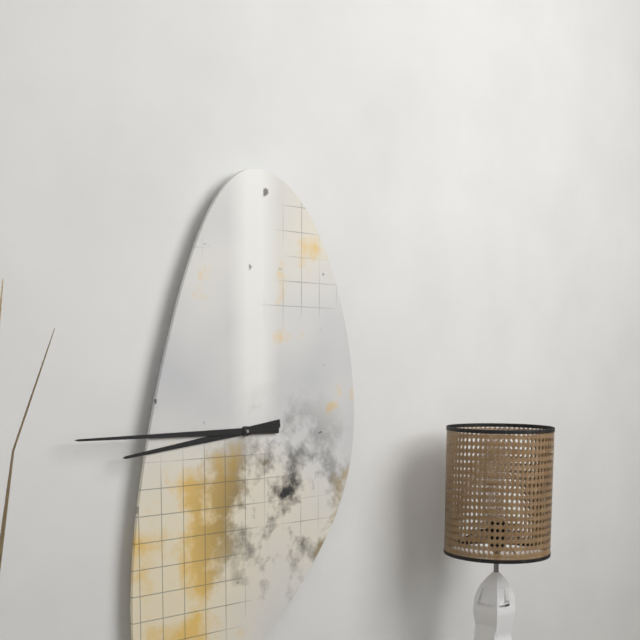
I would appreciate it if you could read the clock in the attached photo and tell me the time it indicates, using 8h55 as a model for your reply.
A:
8h45
